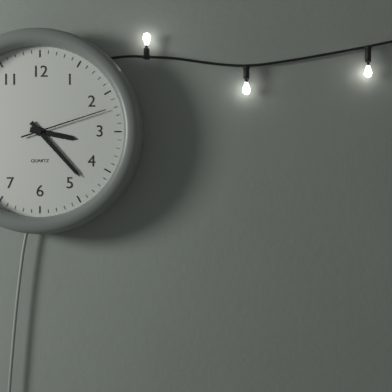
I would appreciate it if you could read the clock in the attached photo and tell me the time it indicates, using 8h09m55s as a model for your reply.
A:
3h23m12s
